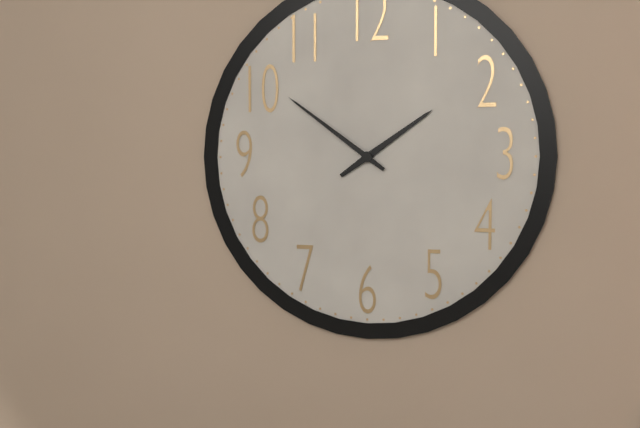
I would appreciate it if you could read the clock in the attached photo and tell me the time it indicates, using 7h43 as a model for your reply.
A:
1h51
